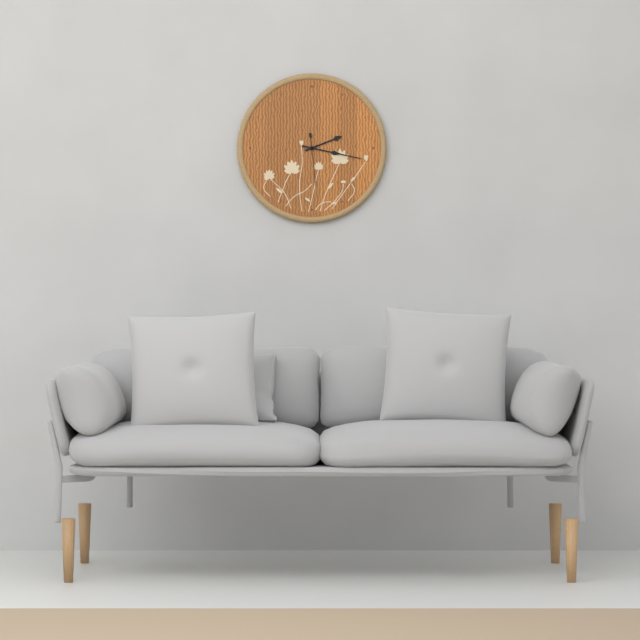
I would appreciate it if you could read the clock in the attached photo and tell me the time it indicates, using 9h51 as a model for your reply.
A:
2h17
